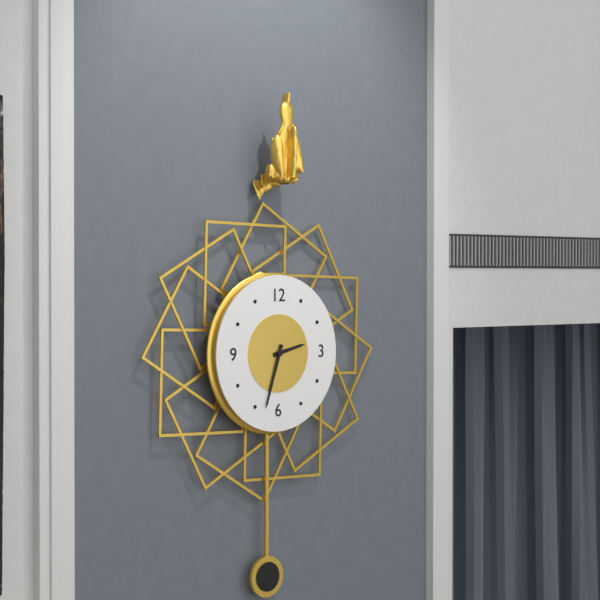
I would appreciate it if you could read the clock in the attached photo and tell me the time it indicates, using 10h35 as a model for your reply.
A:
2h33
